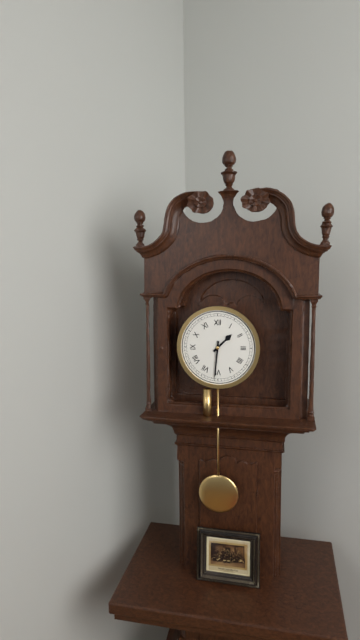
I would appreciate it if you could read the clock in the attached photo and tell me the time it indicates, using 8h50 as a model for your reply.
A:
1h31
